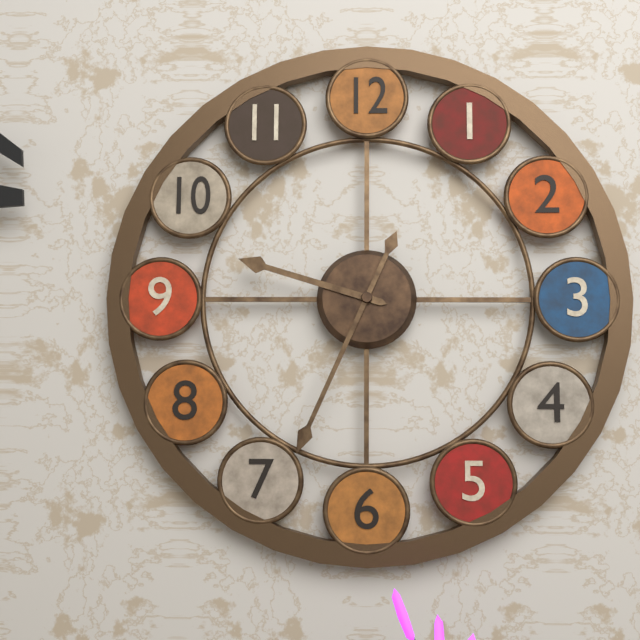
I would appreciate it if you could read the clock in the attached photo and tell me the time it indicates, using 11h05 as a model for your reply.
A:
9h34
